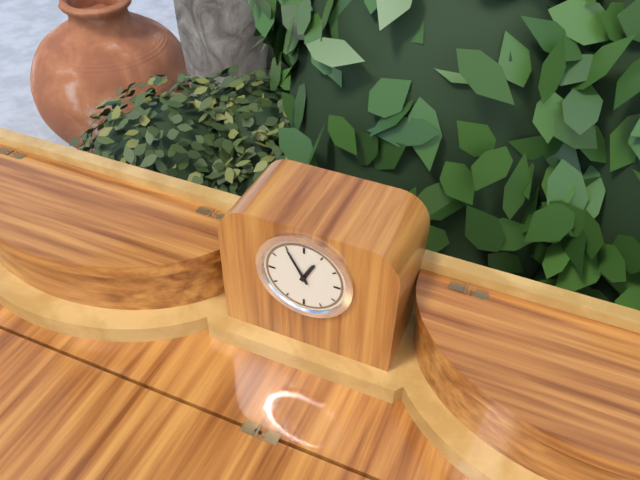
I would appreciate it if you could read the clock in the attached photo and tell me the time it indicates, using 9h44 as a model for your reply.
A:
12h55
